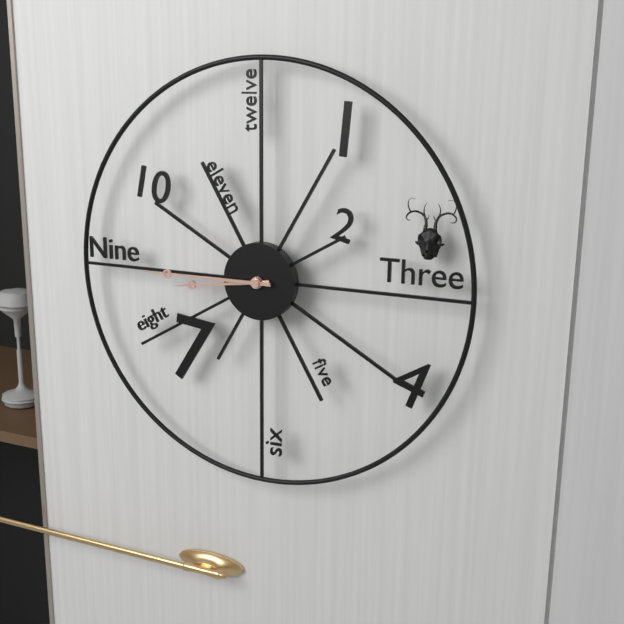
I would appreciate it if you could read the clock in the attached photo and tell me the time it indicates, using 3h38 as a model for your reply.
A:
8h45
